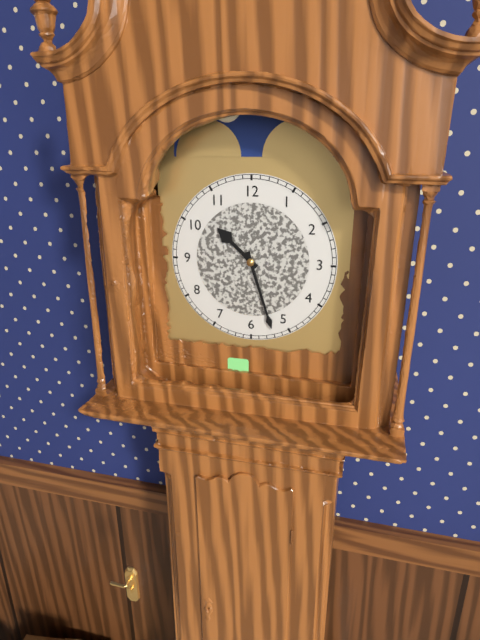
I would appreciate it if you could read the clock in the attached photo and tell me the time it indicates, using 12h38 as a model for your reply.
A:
10h27
